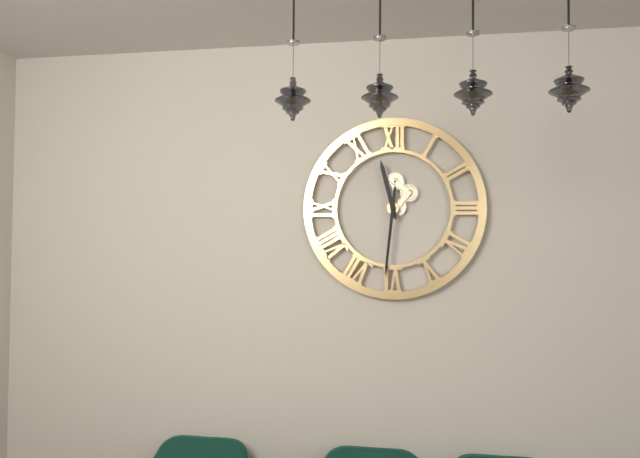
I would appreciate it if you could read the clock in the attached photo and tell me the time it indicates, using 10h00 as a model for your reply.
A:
11h31
